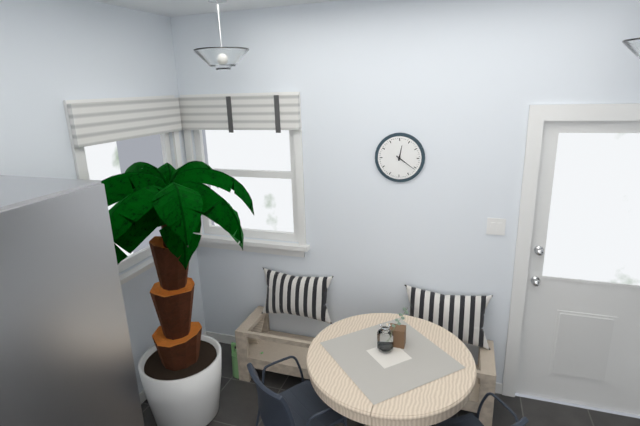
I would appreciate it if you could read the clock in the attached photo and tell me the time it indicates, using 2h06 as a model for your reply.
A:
12h21
